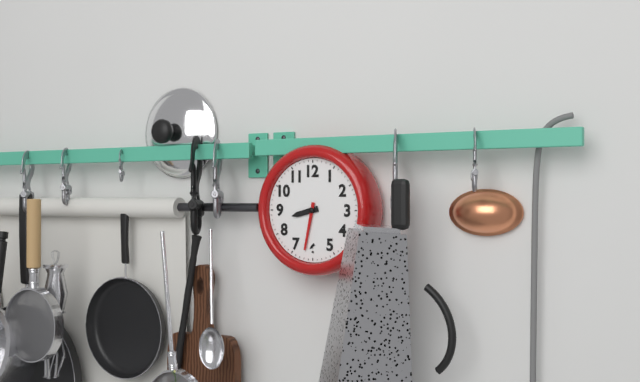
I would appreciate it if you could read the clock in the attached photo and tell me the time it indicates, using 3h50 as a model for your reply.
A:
8h32
